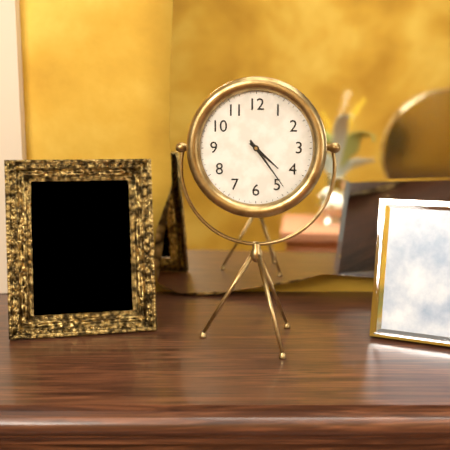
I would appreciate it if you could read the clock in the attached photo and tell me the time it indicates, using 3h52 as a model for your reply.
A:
4h24
